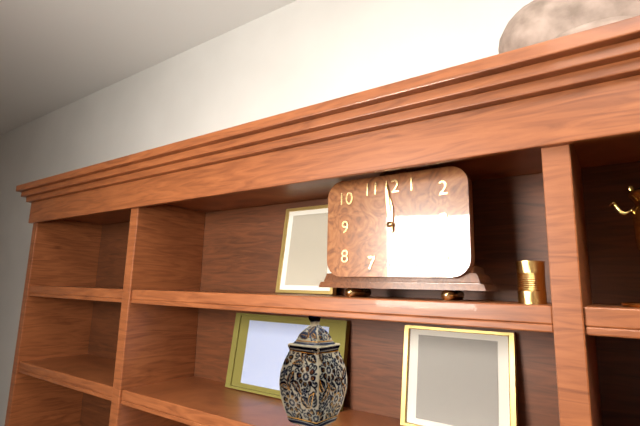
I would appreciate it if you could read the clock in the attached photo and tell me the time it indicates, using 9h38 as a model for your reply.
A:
11h59
